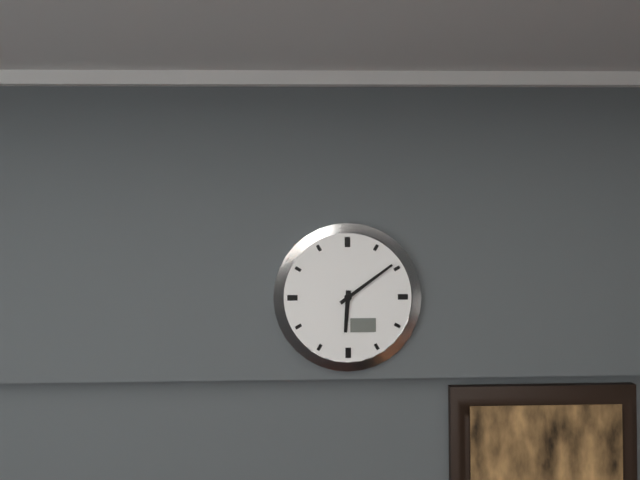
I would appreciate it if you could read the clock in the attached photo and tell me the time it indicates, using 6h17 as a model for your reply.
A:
6h09
